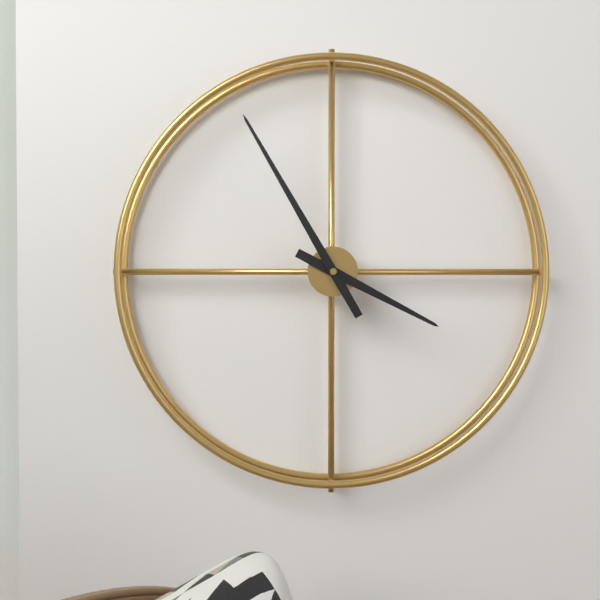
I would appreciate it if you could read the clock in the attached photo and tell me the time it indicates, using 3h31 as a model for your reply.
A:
3h55
